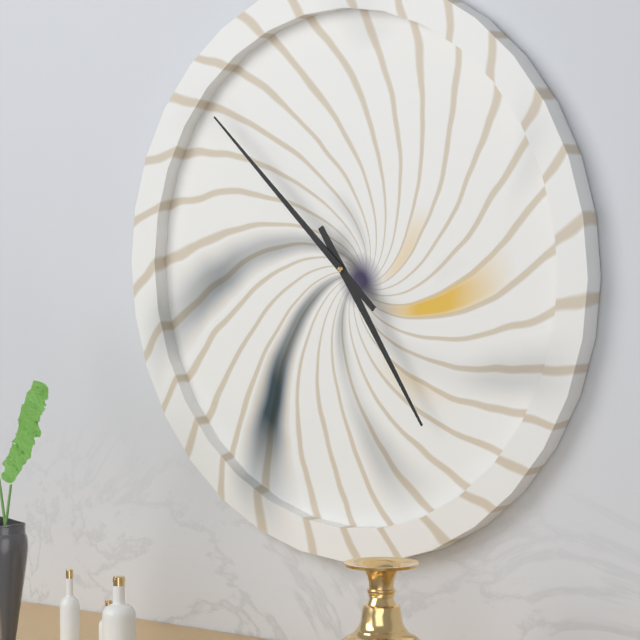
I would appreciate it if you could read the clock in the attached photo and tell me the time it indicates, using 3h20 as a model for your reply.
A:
4h52
